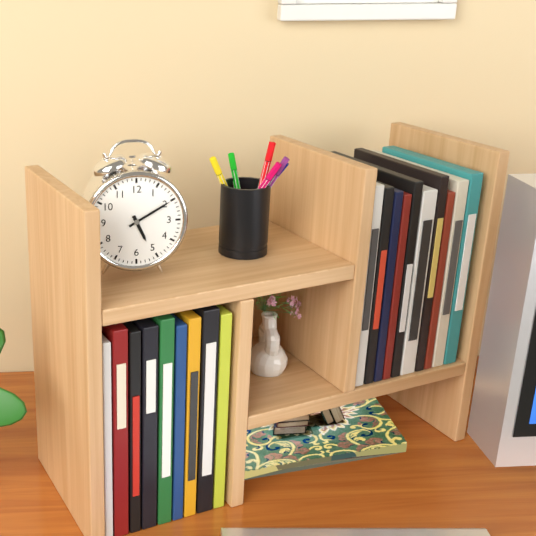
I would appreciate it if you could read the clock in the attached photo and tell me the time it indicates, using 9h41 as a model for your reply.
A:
5h10
